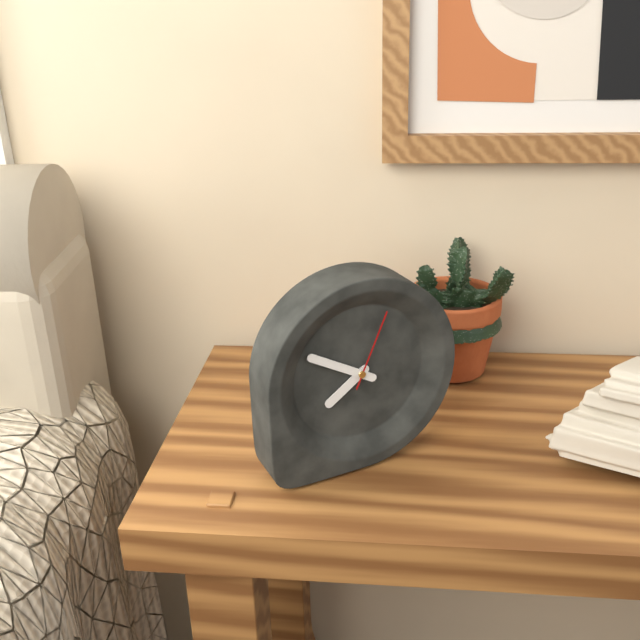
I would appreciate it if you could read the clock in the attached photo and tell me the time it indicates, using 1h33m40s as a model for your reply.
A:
7h50m04s
